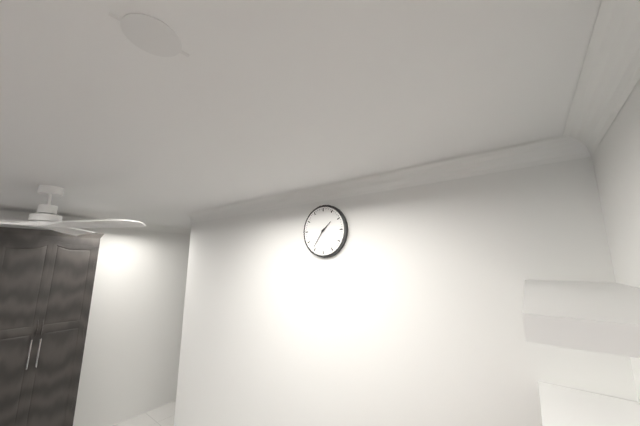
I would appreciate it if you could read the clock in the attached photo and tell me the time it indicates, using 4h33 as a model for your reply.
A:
1h36
